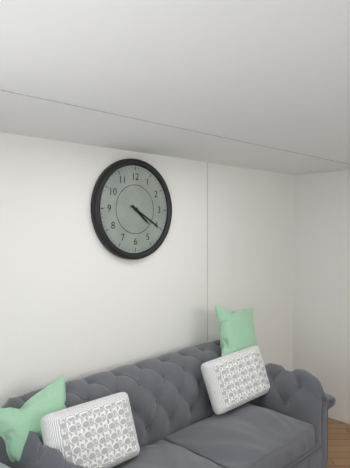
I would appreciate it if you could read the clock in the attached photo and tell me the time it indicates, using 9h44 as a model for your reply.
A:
4h20
